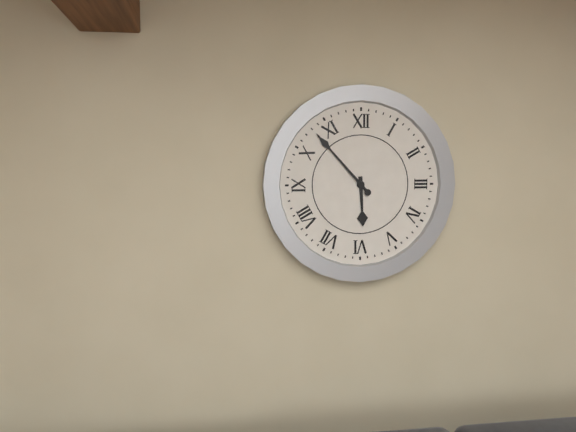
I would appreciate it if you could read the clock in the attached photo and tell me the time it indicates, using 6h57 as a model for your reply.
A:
5h53
